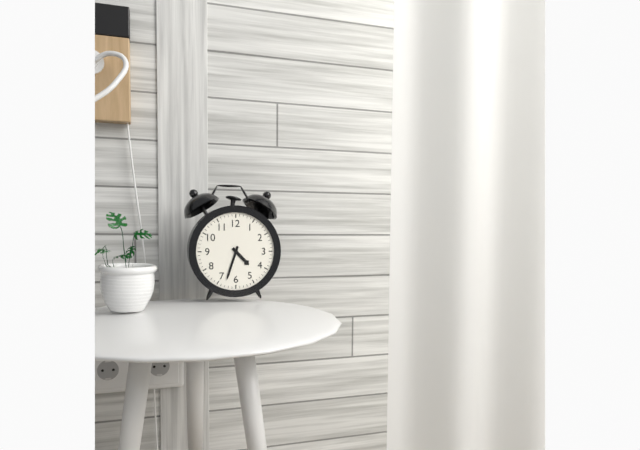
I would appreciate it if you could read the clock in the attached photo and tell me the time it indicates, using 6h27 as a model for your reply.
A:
4h33
